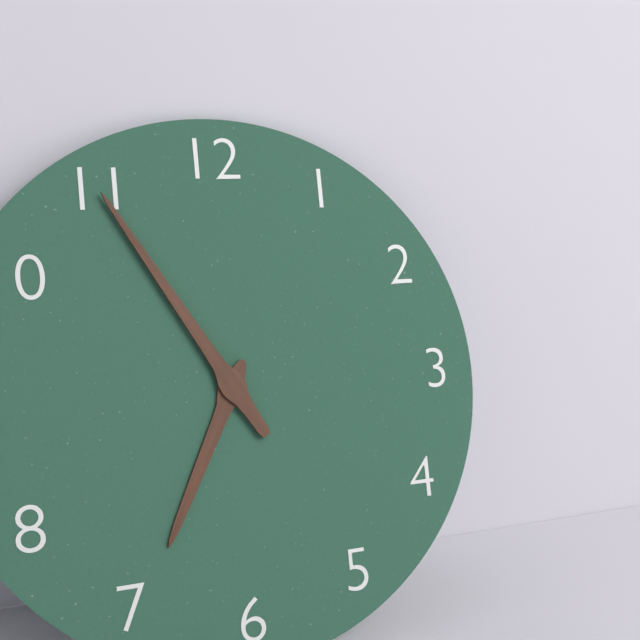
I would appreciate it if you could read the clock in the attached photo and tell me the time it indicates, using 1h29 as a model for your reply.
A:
6h55
